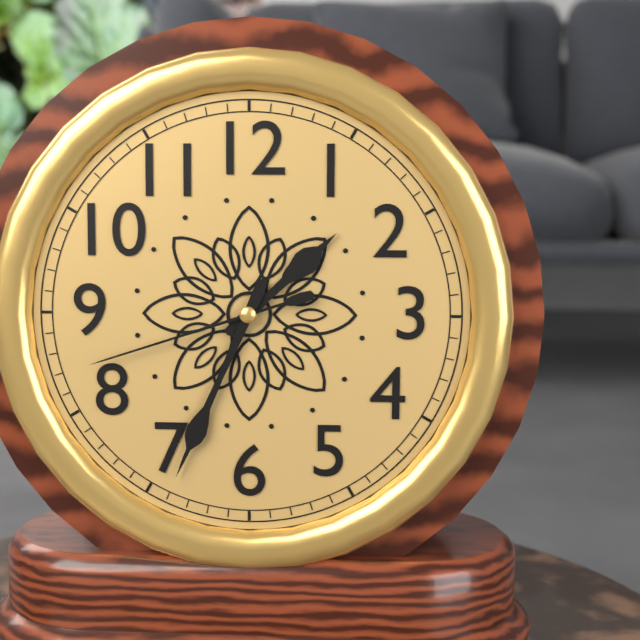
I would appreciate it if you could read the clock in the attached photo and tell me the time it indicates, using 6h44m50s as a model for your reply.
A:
1h34m42s
